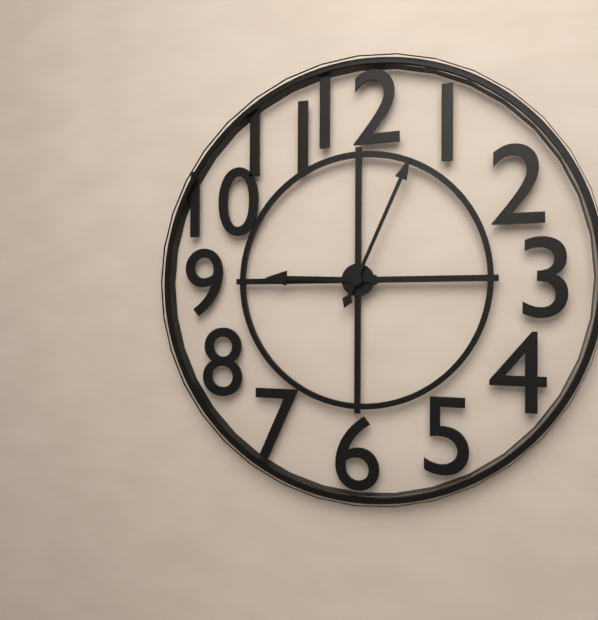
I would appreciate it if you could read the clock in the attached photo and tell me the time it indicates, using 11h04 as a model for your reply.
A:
9h04
